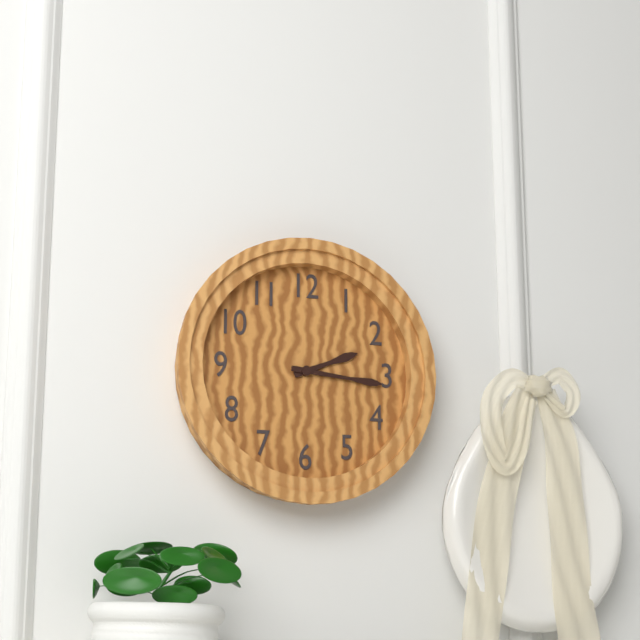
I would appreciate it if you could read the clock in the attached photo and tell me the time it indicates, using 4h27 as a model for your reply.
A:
2h16
